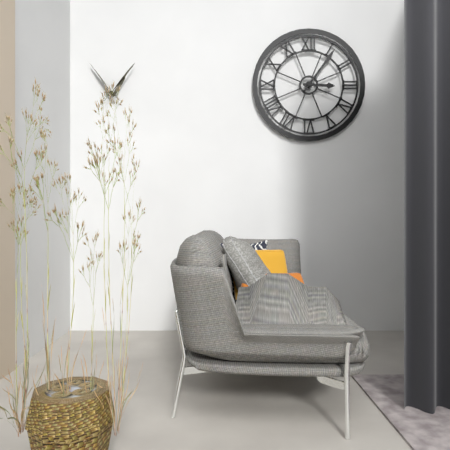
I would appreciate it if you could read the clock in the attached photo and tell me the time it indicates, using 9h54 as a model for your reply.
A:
3h06
